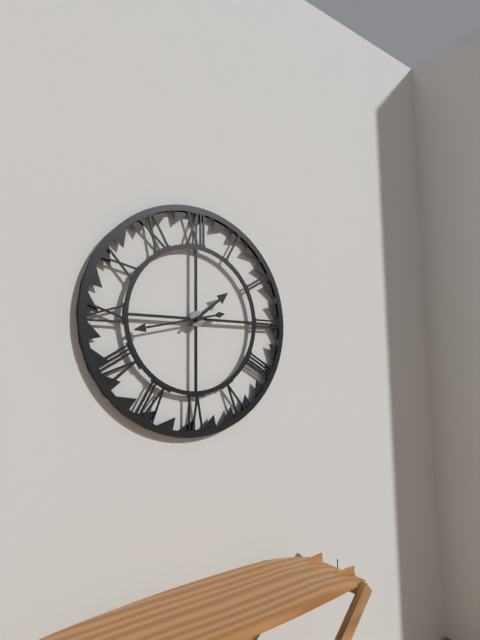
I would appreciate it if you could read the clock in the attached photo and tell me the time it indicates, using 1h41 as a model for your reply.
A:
1h43
